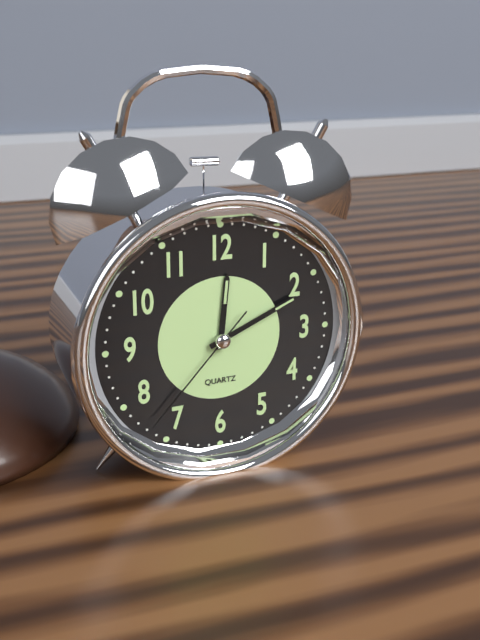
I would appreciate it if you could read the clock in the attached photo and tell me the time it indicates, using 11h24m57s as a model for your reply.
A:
12h11m37s
